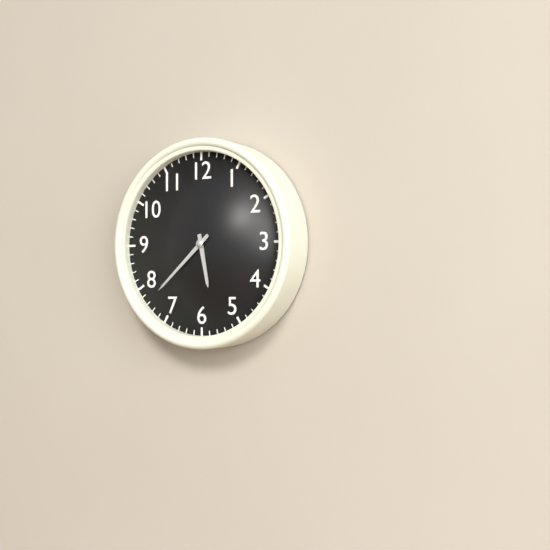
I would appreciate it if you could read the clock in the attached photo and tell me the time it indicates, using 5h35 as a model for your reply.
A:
5h38
